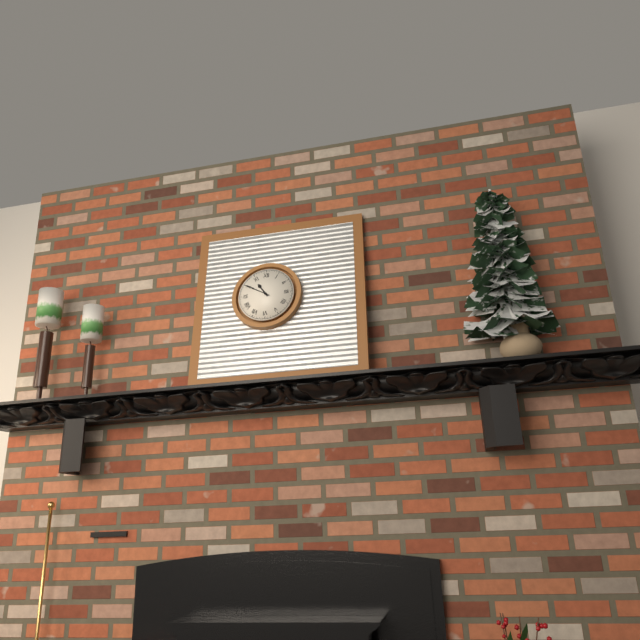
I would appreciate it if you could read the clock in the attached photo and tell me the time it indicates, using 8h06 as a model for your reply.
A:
10h50
